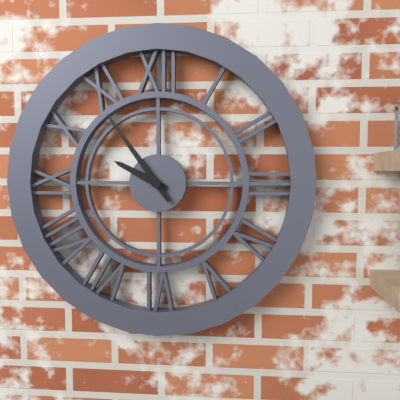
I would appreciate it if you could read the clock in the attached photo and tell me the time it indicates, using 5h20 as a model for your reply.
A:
9h54
